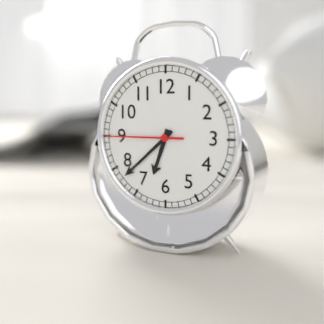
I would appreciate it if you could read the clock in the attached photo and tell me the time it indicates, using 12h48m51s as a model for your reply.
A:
6h38m45s
